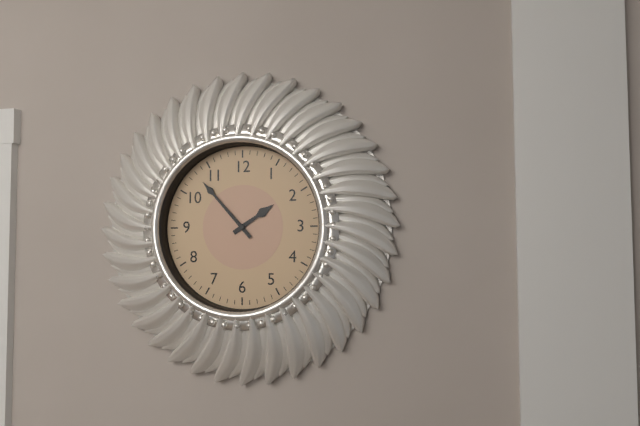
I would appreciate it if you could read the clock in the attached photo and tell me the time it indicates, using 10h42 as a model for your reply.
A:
1h53
